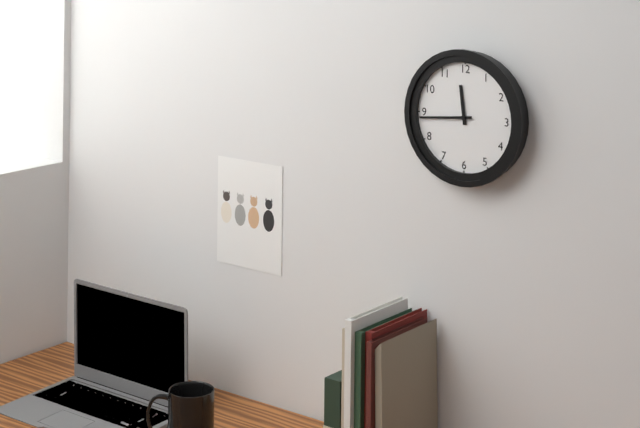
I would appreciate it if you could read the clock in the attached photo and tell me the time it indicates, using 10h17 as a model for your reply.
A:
11h44
